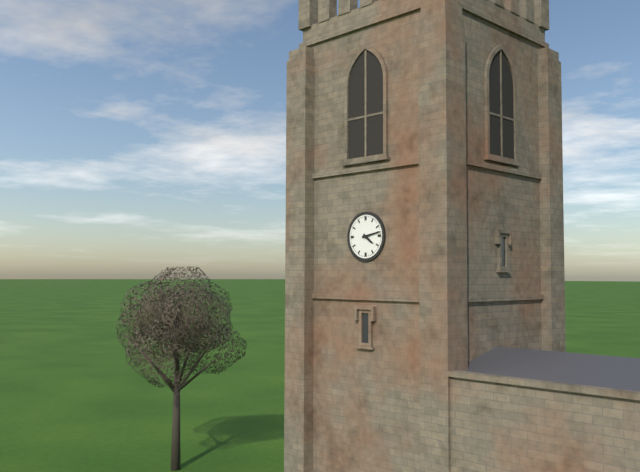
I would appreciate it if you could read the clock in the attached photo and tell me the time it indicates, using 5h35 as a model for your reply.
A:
4h13
